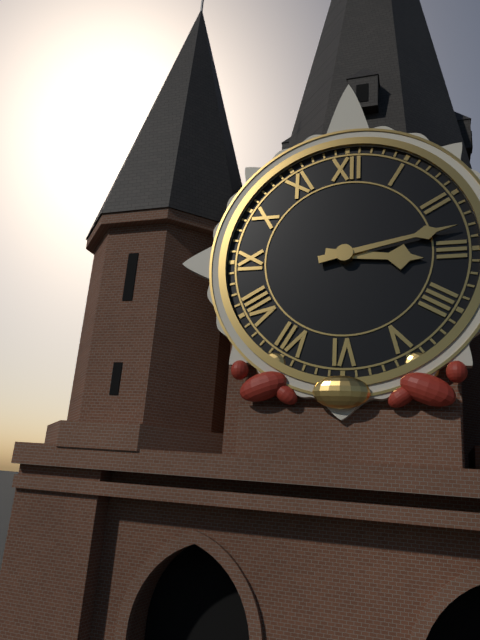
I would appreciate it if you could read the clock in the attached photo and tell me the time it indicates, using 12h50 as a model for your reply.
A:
3h13
